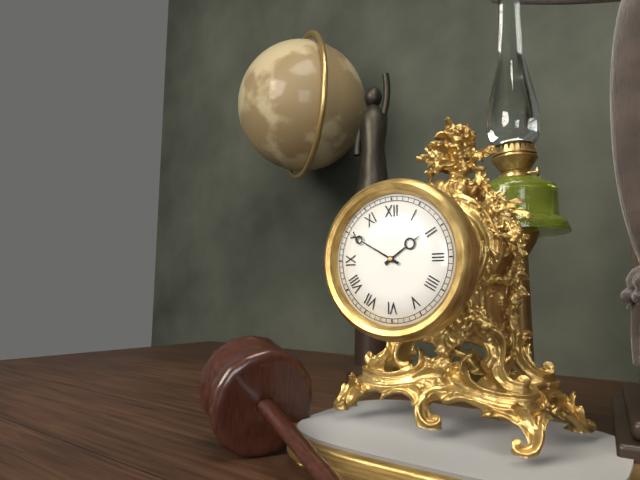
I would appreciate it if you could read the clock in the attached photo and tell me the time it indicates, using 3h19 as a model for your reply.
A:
1h50
